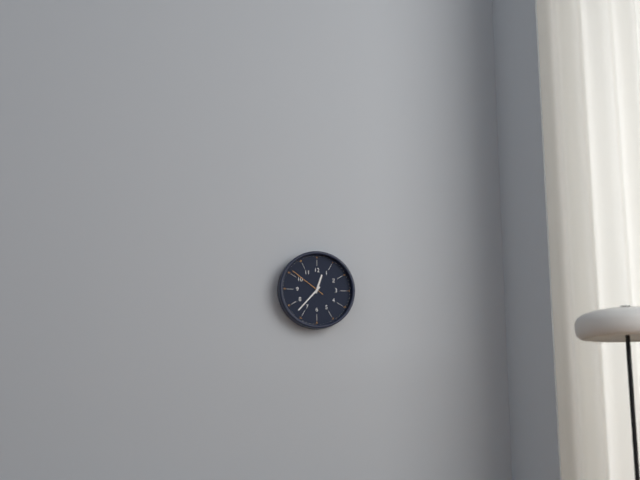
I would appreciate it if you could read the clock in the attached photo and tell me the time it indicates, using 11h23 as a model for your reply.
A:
12h37
